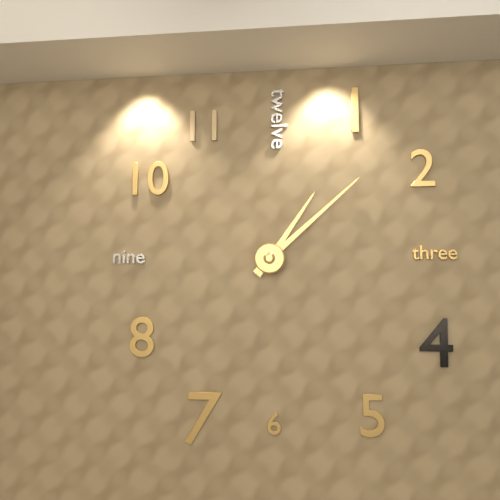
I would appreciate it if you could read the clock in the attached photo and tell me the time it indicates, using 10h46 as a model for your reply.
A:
1h08
